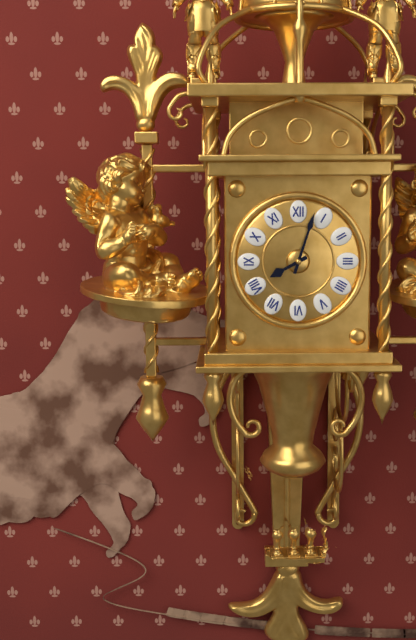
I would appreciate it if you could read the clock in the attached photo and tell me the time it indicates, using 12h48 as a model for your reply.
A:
8h03
